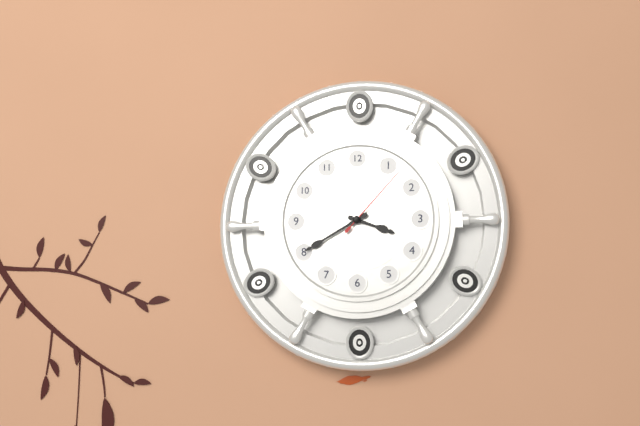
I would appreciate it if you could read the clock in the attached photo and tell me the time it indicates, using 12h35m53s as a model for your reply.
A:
3h40m07s
